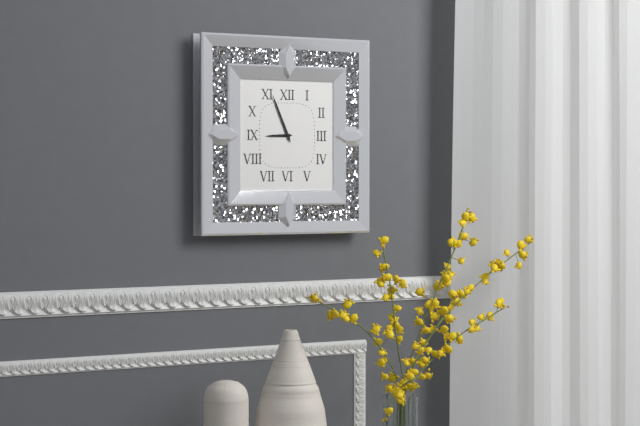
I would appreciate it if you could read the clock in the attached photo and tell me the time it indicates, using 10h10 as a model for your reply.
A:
8h56
